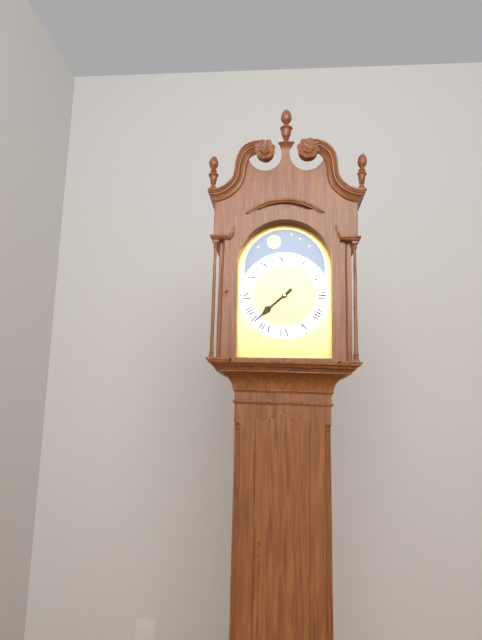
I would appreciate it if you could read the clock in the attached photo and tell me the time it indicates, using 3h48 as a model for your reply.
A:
7h38
